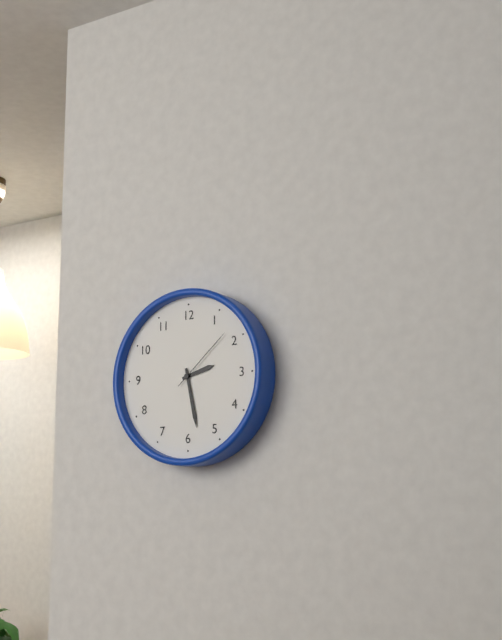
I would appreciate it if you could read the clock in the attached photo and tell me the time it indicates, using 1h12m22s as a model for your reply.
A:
2h28m08s
